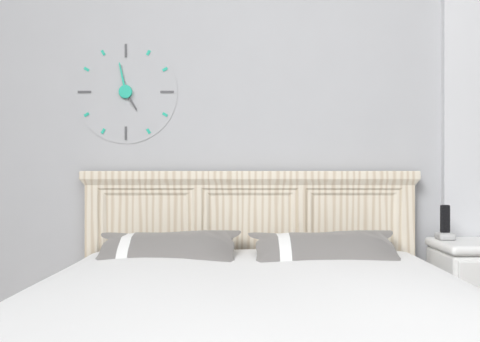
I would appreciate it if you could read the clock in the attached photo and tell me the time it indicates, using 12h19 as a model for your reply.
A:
4h58
